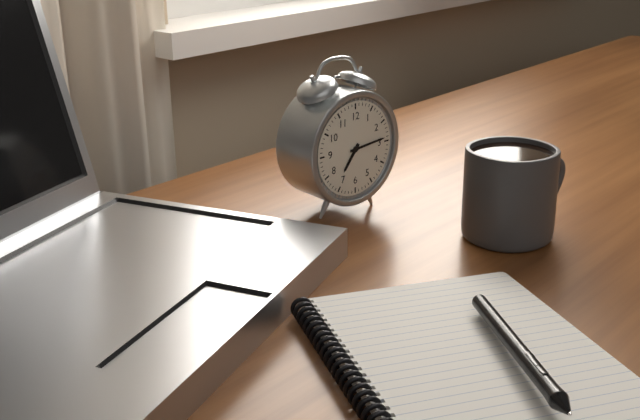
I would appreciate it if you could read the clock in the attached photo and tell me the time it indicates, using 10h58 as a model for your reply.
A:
7h14
